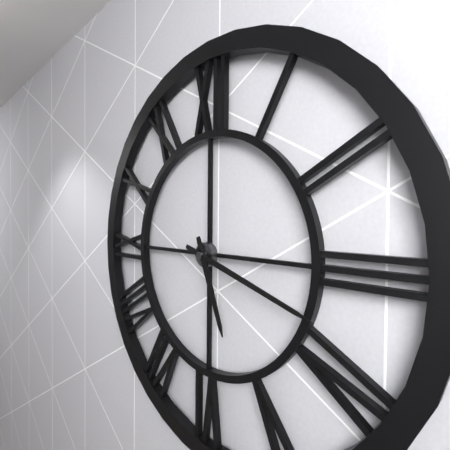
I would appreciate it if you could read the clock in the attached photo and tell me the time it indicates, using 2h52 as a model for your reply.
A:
5h18
